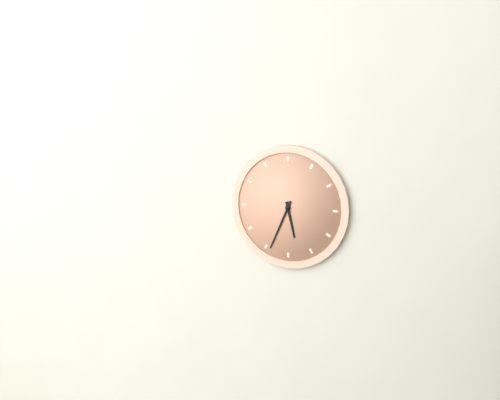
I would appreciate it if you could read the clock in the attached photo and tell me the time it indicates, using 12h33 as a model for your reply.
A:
5h34
